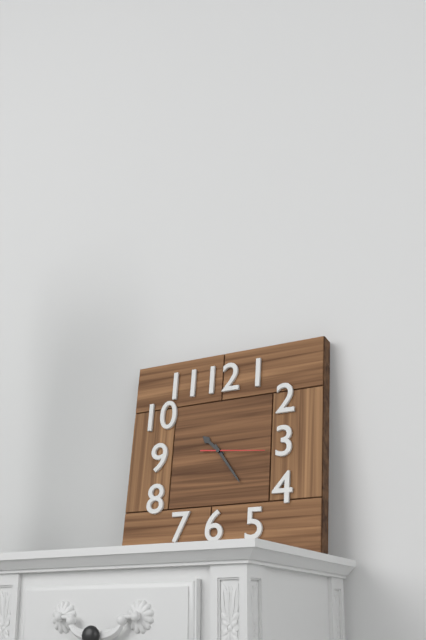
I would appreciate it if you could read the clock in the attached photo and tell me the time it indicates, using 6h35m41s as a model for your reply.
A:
10h24m16s
